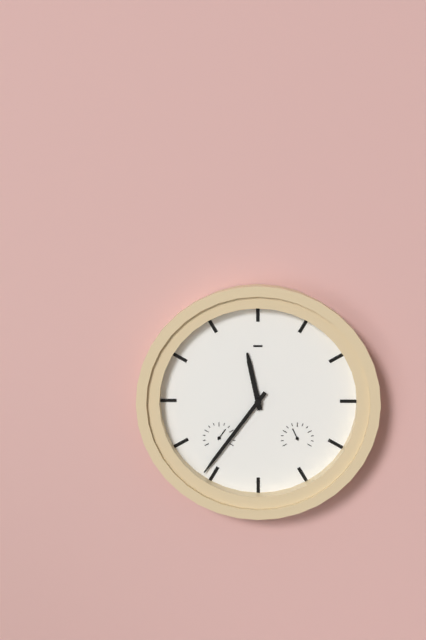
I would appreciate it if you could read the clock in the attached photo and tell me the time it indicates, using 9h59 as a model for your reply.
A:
11h36
